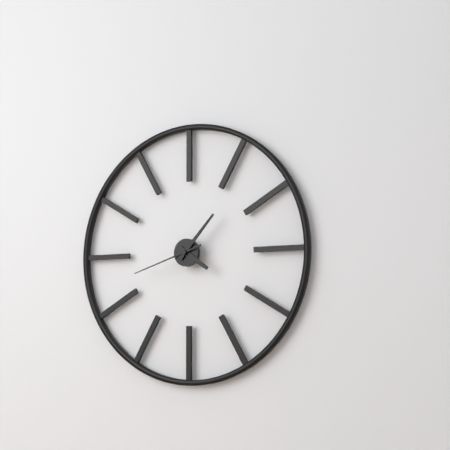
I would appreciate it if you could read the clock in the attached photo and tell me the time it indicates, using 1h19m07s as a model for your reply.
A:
4h07m42s
